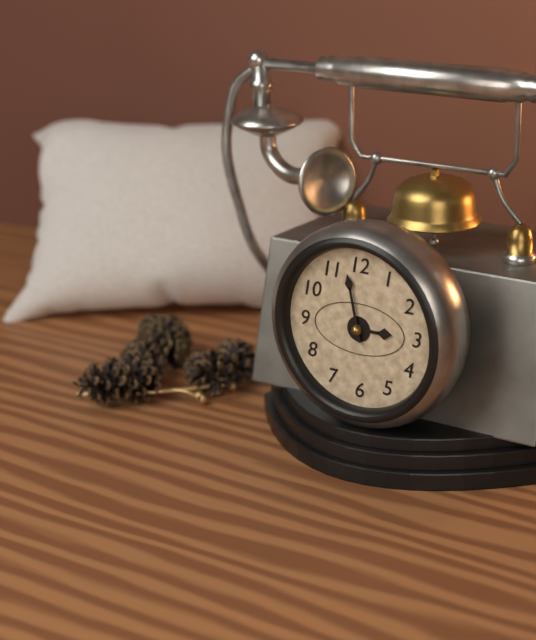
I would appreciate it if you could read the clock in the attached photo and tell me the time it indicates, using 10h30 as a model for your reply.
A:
2h58
